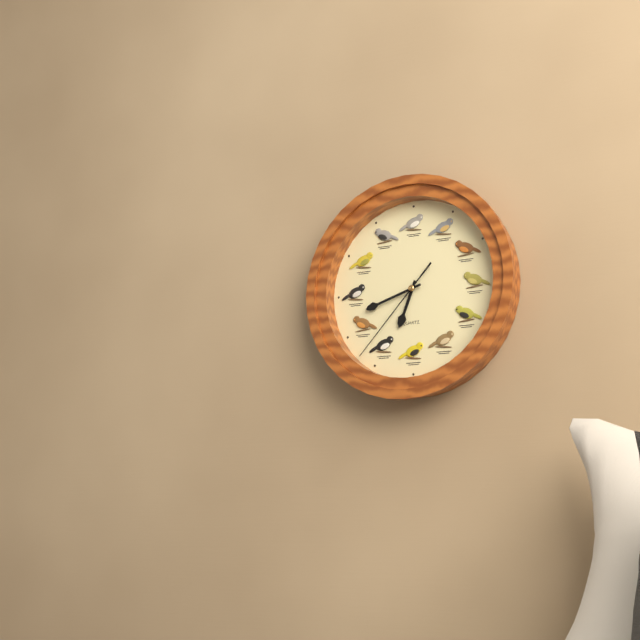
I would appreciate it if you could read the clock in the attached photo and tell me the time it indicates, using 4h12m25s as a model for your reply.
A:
6h42m37s
